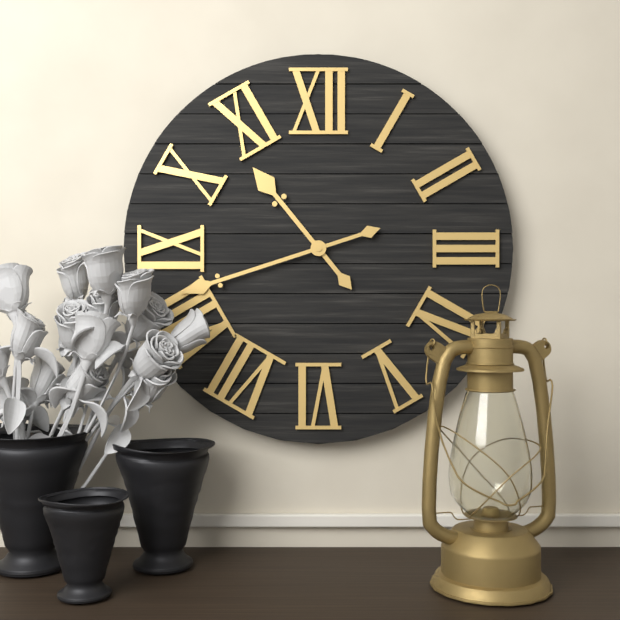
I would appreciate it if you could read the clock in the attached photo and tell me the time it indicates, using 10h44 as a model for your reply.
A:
10h42
